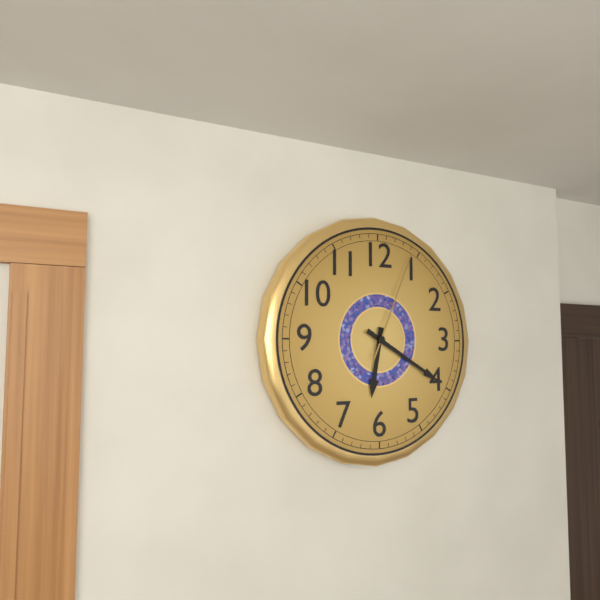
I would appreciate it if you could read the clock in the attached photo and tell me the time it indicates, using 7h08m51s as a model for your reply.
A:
6h20m04s
